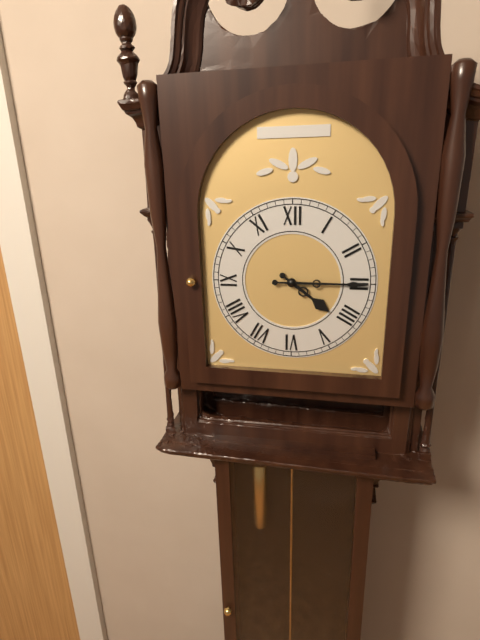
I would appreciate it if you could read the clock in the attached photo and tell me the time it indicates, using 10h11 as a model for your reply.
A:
4h15
